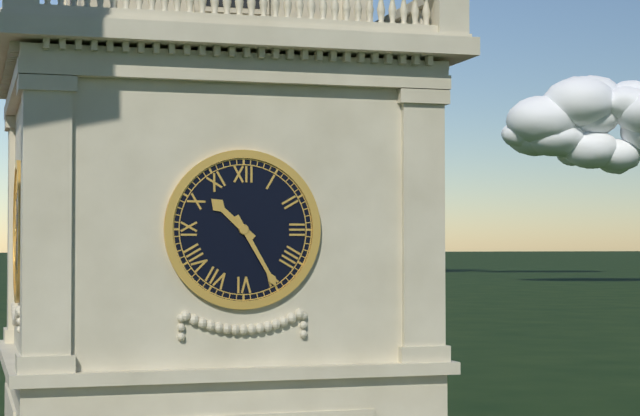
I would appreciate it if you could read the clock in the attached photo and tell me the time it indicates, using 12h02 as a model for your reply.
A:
10h25
